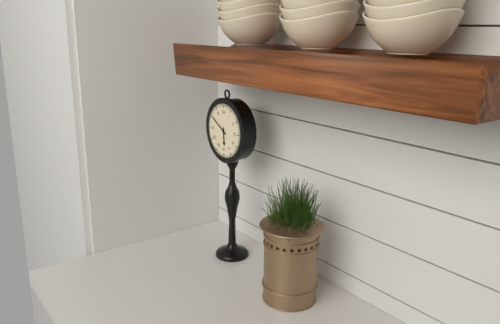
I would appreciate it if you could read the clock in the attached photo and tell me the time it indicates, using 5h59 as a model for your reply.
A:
5h50
